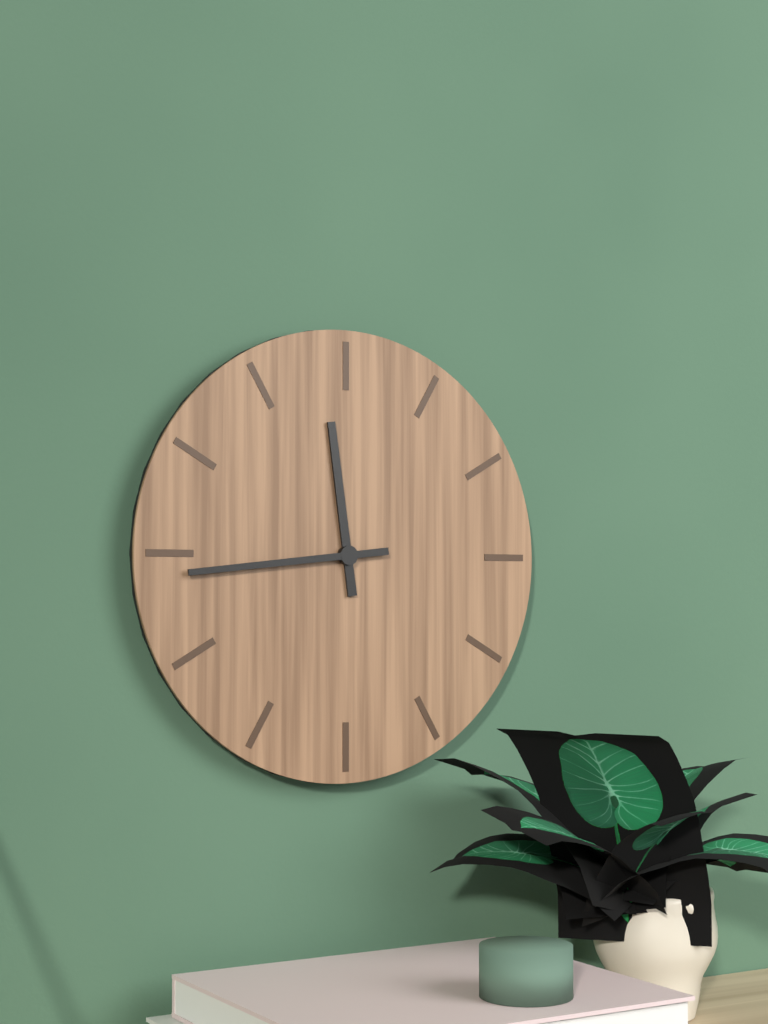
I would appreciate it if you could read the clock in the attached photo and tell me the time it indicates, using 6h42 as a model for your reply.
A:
11h44
